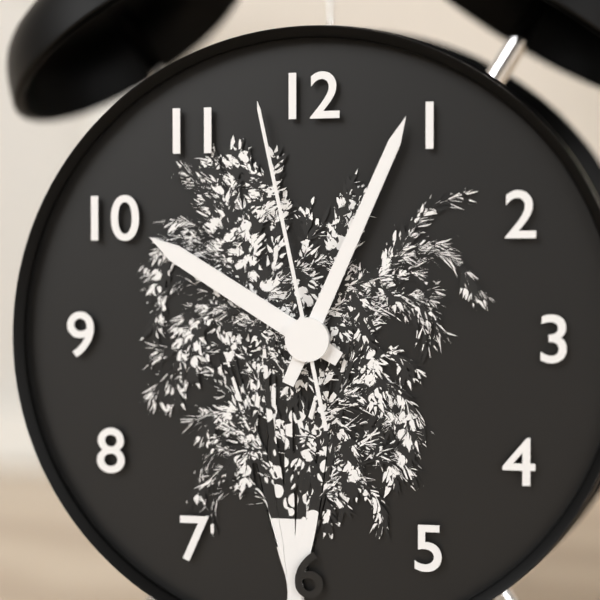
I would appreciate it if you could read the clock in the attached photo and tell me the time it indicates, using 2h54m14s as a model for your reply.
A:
10h04m58s
